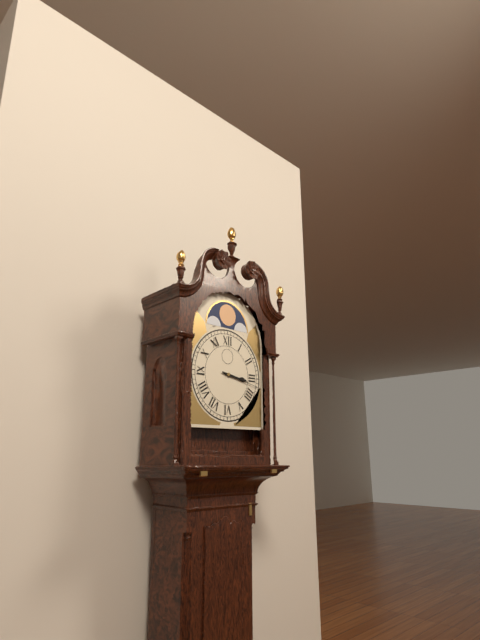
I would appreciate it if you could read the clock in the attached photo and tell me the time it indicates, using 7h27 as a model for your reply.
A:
3h17
